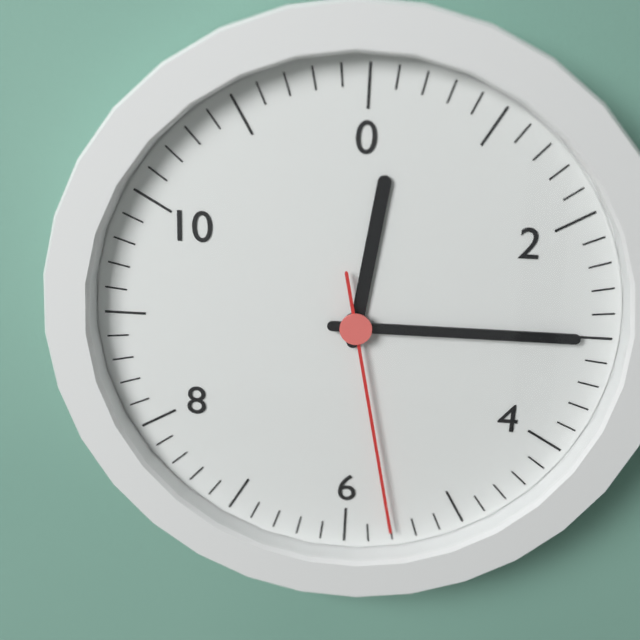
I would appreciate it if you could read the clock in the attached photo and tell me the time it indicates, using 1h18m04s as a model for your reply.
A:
12h15m28s
